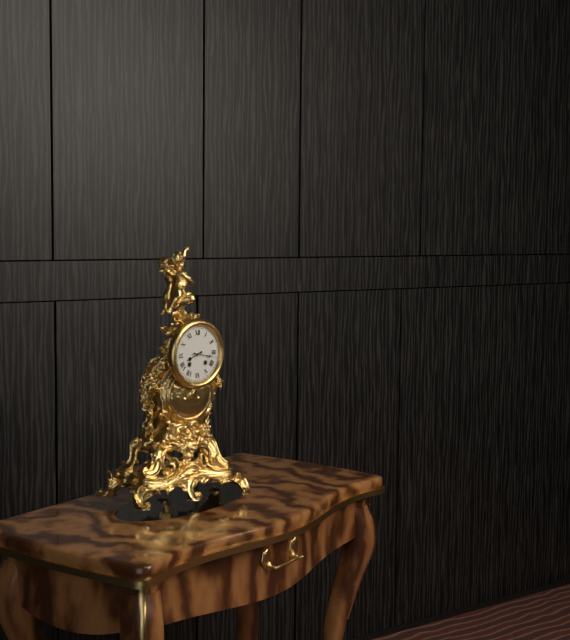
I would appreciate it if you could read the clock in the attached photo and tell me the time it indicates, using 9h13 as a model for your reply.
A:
8h17
